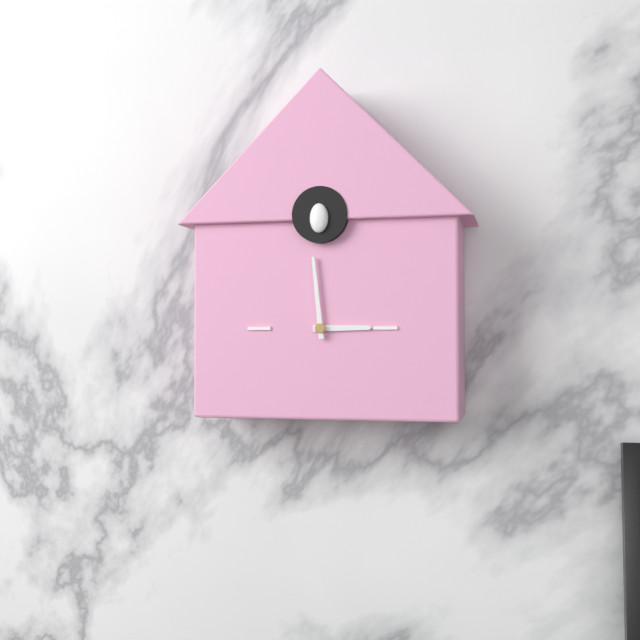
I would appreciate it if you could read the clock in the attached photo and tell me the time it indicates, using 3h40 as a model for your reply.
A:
2h59
